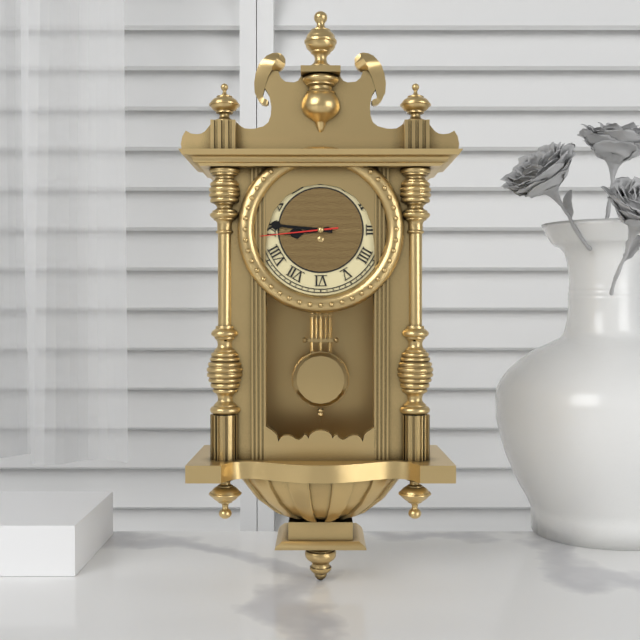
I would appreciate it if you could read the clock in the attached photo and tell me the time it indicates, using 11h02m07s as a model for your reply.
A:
8h46m44s
